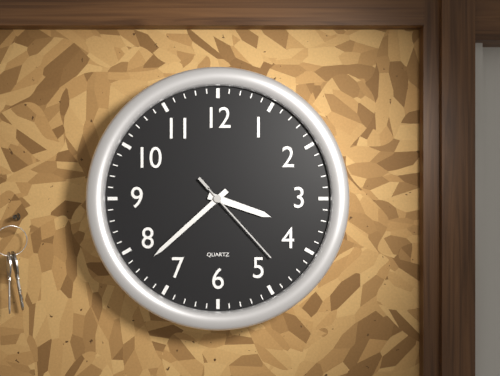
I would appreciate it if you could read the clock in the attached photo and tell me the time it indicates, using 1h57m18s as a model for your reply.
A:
3h38m23s
